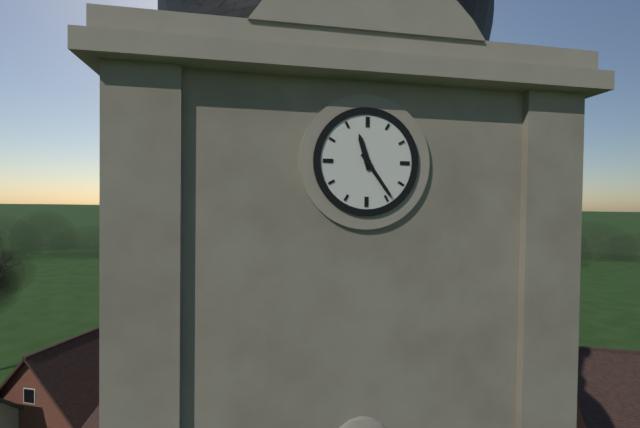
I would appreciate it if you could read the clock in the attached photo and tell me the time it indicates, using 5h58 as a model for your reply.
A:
11h24
